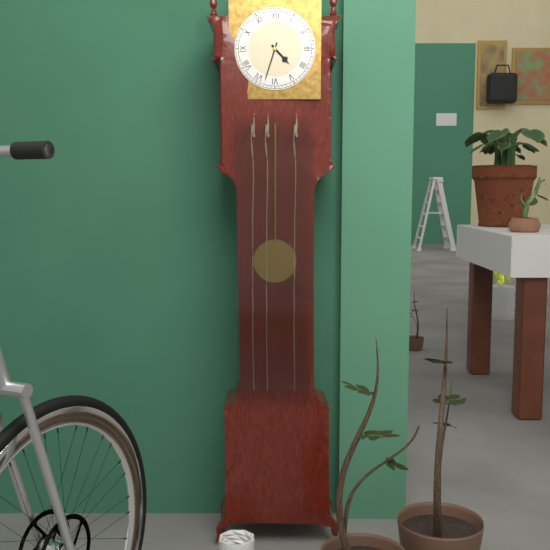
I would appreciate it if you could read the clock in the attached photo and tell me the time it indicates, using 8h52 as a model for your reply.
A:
4h33
